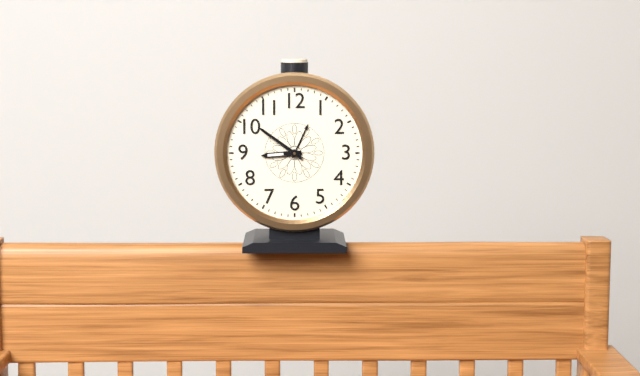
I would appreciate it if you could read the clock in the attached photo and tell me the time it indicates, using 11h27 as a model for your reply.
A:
8h51
